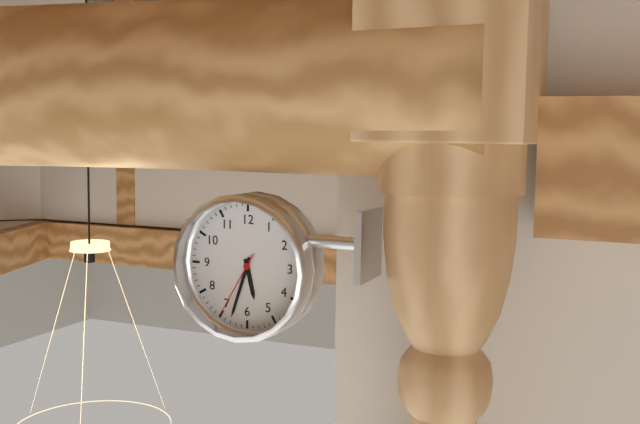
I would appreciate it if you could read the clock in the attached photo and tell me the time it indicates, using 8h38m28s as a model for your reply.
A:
5h33m35s
